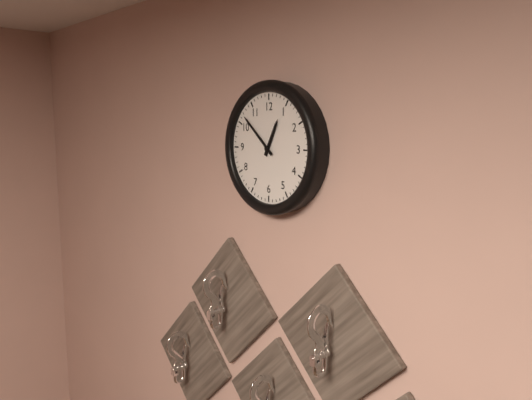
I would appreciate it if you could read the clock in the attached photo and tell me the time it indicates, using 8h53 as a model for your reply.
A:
12h52
